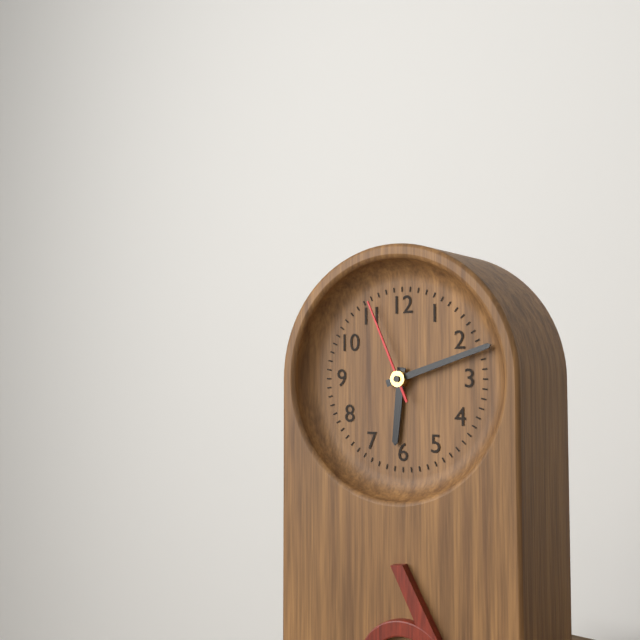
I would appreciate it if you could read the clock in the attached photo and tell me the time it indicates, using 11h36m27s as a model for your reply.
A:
6h12m56s
